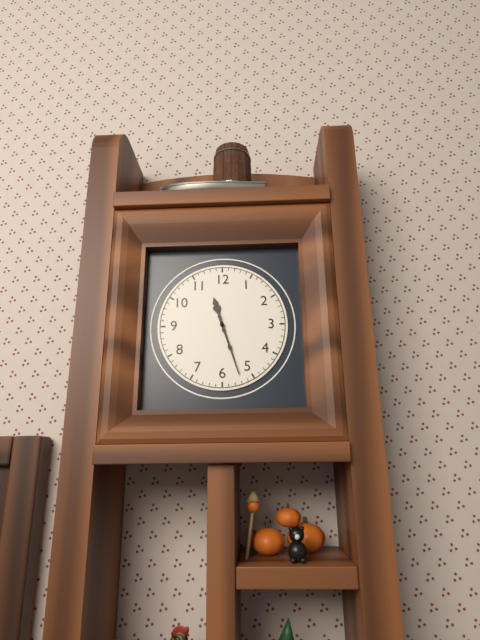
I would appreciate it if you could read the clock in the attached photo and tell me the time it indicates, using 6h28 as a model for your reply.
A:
11h27
